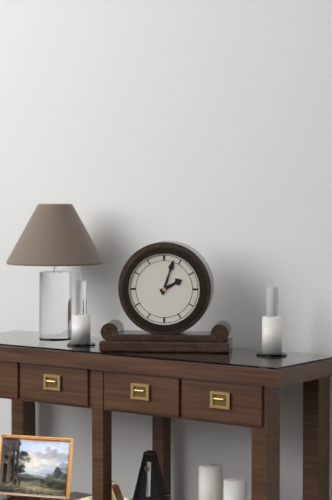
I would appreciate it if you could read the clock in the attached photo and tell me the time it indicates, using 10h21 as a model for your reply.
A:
2h03
